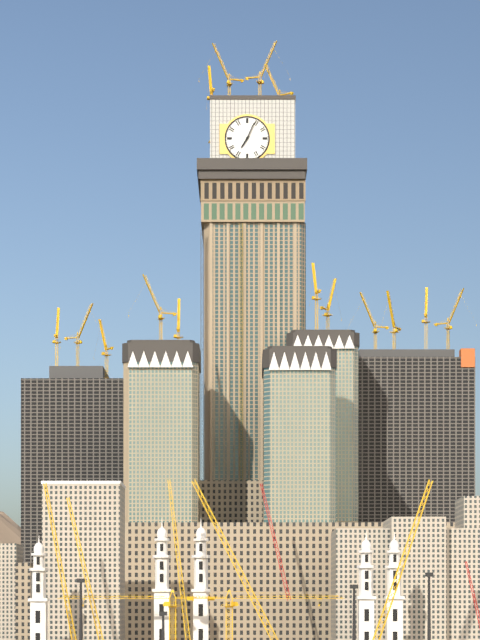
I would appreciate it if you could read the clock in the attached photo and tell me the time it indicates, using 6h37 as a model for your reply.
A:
7h04
